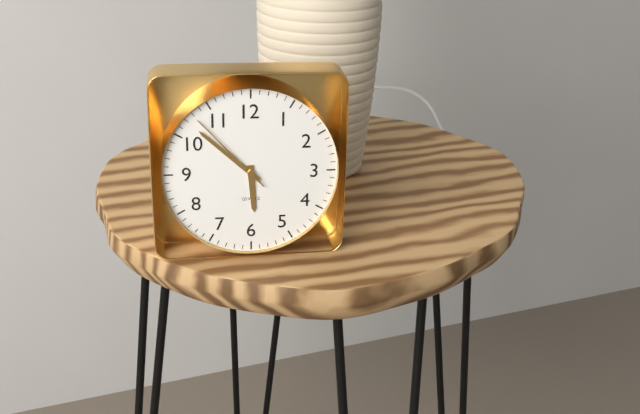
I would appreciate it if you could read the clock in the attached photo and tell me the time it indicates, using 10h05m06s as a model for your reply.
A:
5h52m53s
